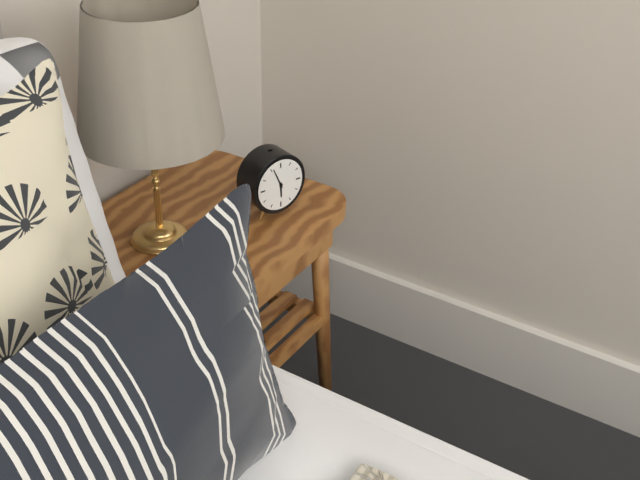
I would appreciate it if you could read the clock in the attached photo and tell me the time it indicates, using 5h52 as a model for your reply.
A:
5h56
